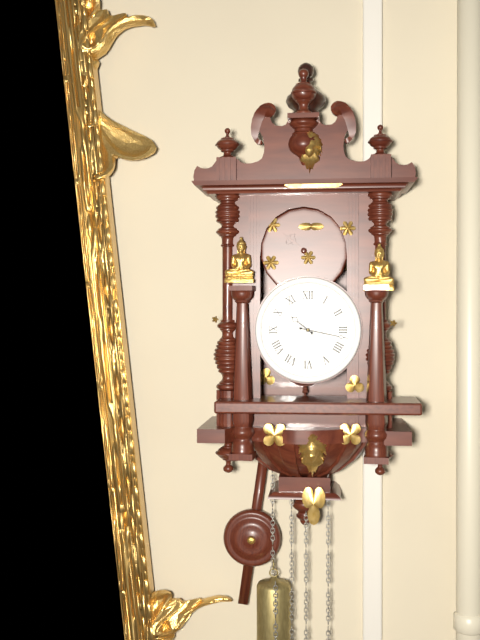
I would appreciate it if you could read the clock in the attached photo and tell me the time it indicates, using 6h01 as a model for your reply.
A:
10h17
